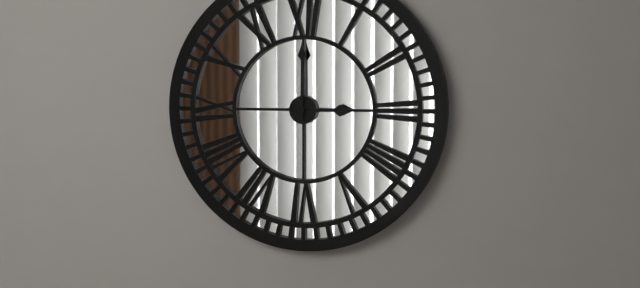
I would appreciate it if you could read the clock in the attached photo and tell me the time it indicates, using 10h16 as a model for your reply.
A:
3h00
